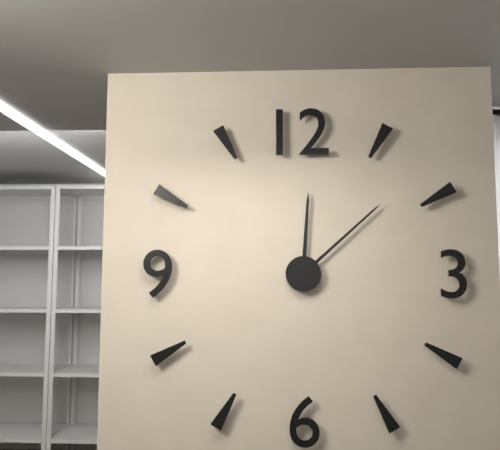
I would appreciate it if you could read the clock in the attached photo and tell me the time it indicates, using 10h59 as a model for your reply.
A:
12h08
